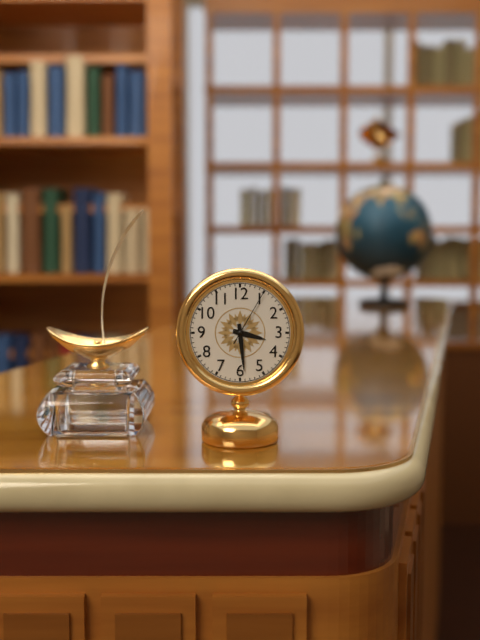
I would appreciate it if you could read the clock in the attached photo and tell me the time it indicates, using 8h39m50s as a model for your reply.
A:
3h29m05s
